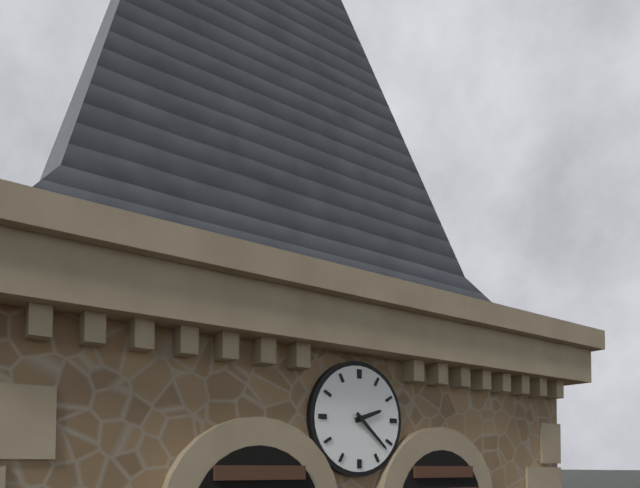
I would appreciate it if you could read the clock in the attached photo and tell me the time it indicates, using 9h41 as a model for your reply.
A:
2h22
